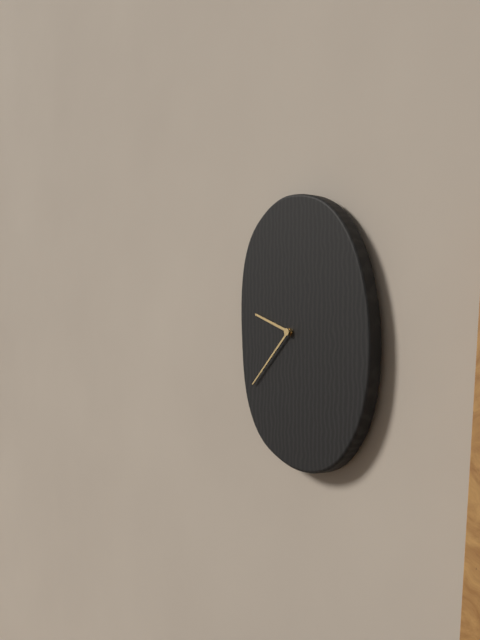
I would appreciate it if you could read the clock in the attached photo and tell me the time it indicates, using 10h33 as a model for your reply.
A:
9h38
